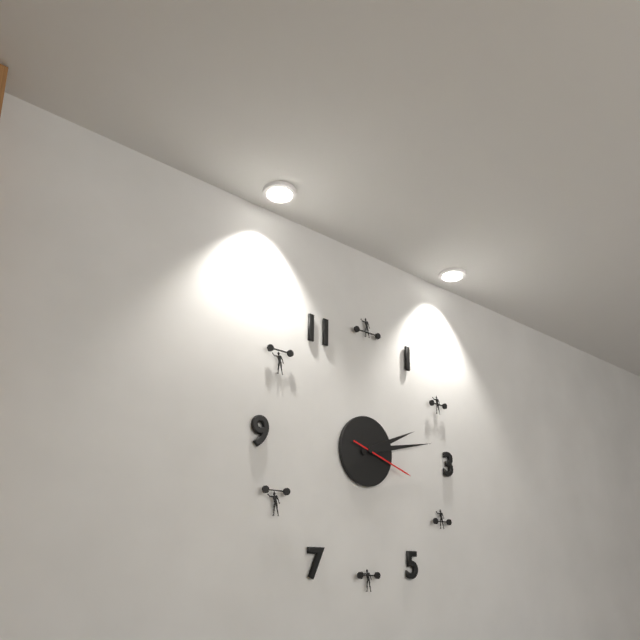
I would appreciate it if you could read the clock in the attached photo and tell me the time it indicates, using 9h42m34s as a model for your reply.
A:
2h13m18s
